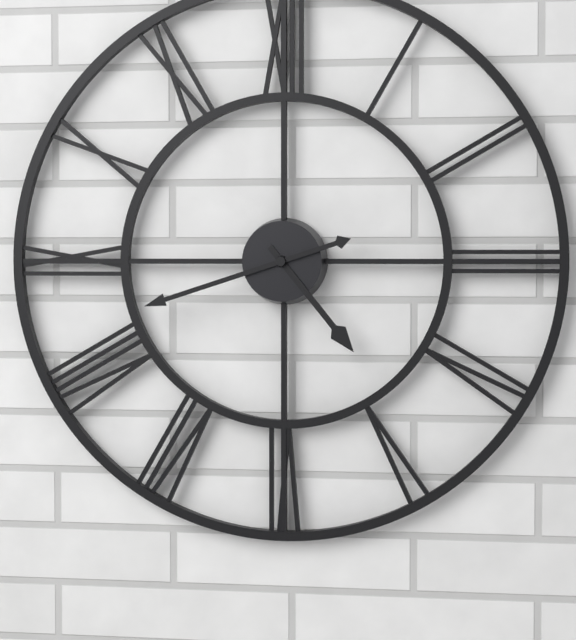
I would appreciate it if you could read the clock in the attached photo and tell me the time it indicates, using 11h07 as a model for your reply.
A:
4h42
